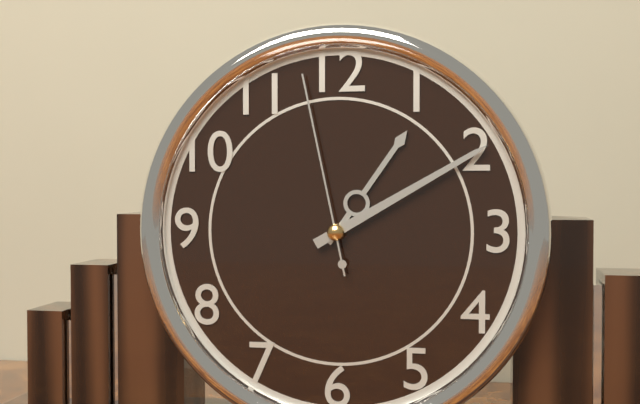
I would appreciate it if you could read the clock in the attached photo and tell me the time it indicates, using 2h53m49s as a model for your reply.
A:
1h10m58s
